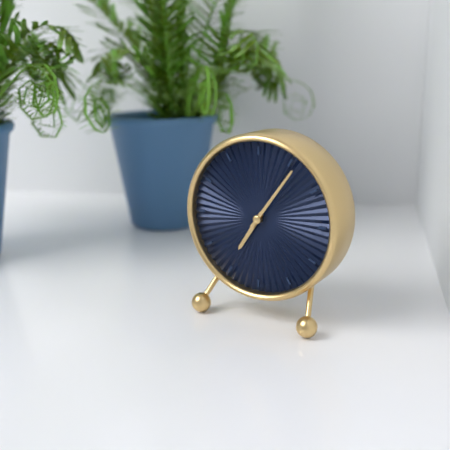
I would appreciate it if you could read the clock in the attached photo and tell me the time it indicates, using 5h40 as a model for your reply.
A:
7h06
